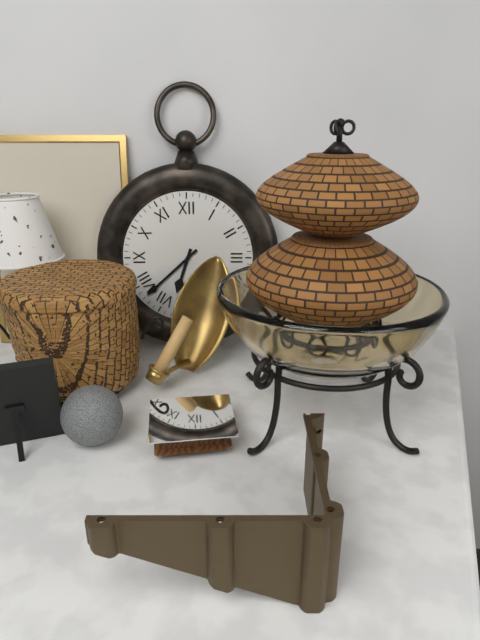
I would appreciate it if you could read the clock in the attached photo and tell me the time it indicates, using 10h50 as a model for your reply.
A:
6h38
